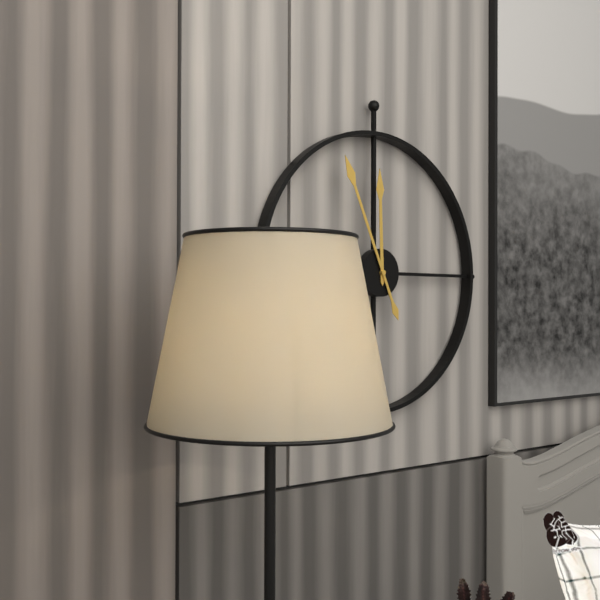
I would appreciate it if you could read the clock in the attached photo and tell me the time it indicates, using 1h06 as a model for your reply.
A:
11h56
